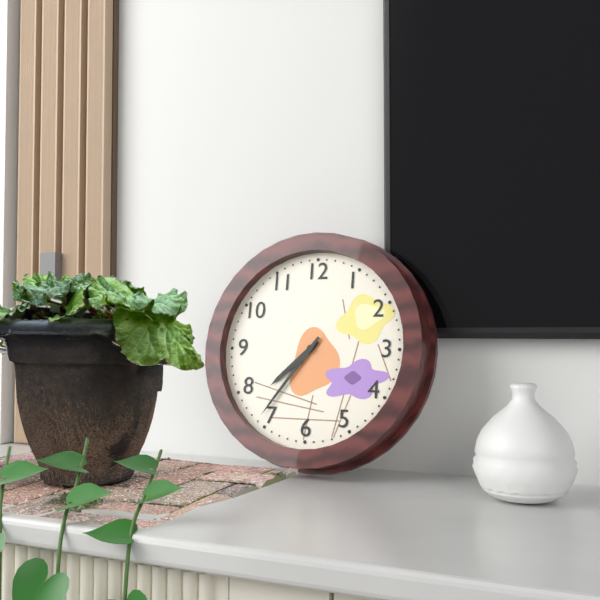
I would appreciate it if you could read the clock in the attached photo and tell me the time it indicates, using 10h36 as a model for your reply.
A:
7h36
